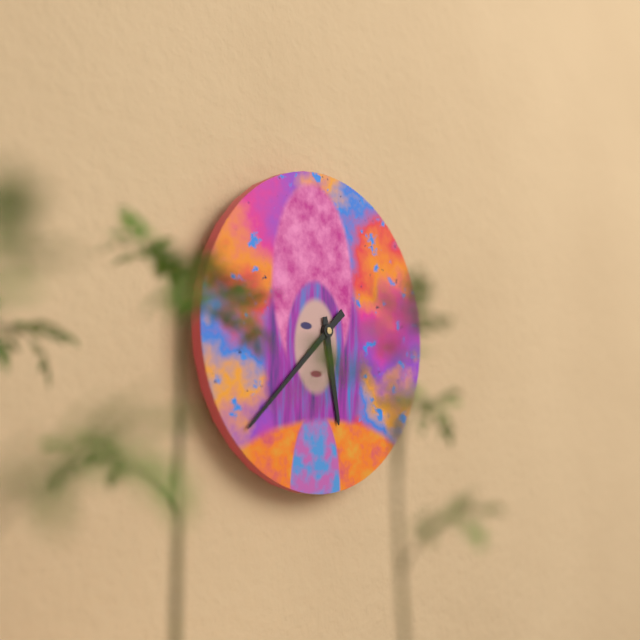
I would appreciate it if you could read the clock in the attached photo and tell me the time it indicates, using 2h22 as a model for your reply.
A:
5h38
